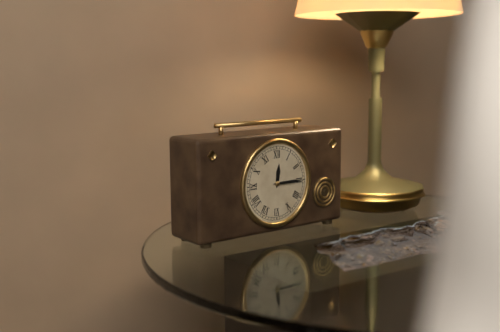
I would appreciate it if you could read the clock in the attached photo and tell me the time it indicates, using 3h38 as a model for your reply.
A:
12h15
